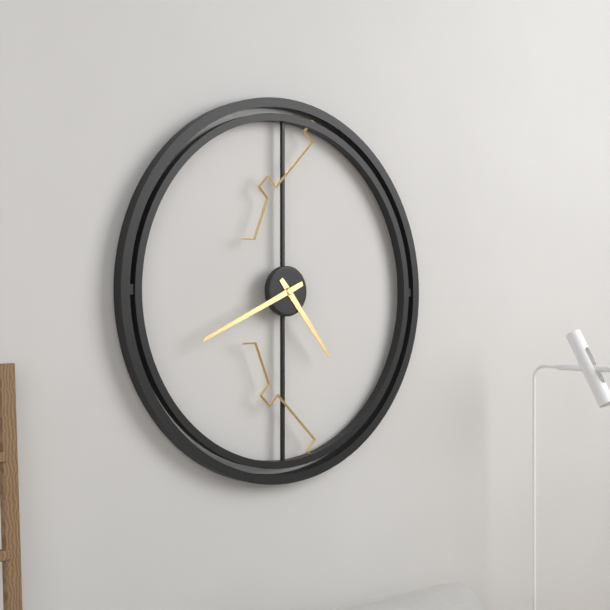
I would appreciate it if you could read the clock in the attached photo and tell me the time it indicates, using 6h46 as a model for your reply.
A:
4h41
